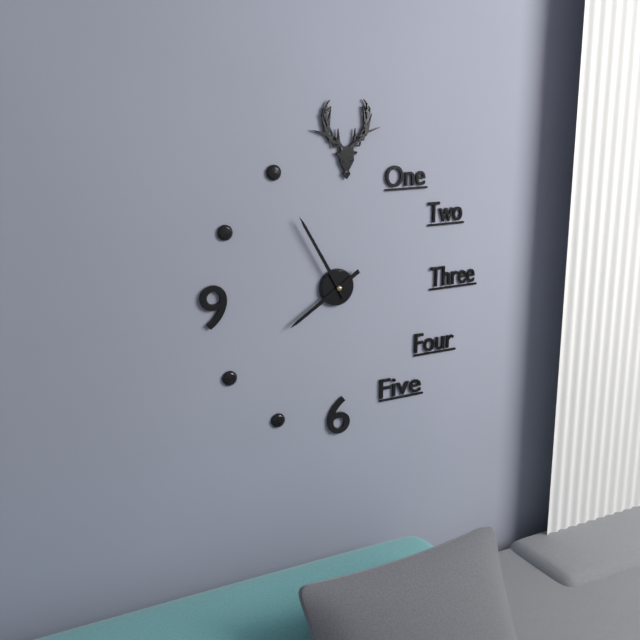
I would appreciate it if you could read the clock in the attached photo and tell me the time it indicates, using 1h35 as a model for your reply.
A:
7h55
